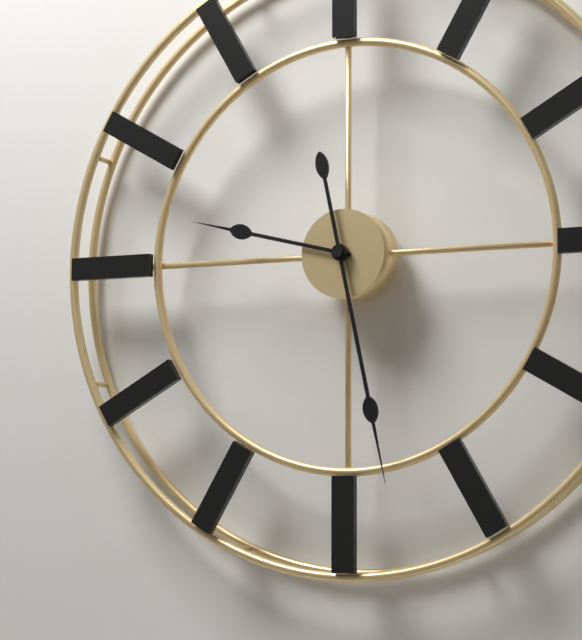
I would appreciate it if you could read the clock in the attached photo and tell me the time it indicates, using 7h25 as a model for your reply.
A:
9h28
